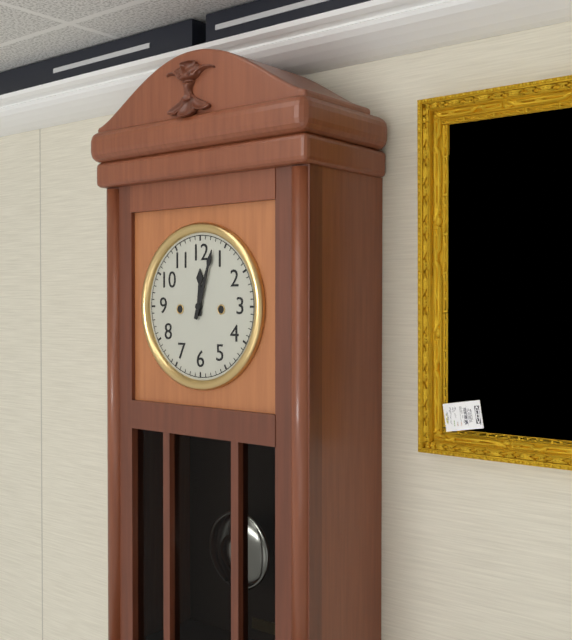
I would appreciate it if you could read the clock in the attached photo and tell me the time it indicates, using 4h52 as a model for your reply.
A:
12h03
